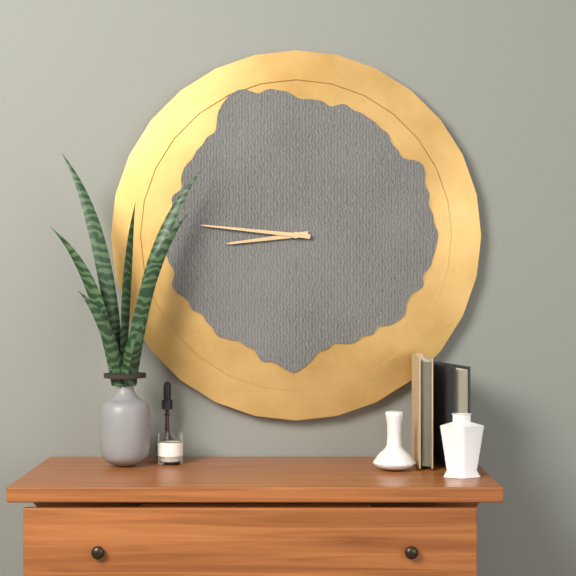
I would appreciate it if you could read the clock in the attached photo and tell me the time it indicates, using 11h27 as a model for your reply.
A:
8h46
